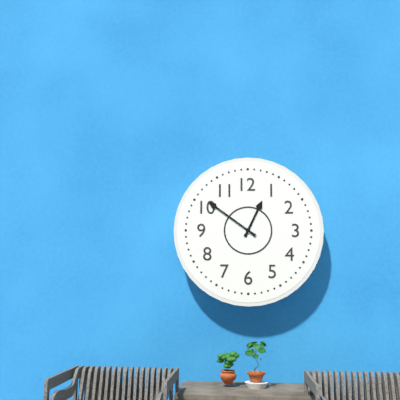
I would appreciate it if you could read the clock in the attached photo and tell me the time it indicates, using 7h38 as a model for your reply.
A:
12h51
